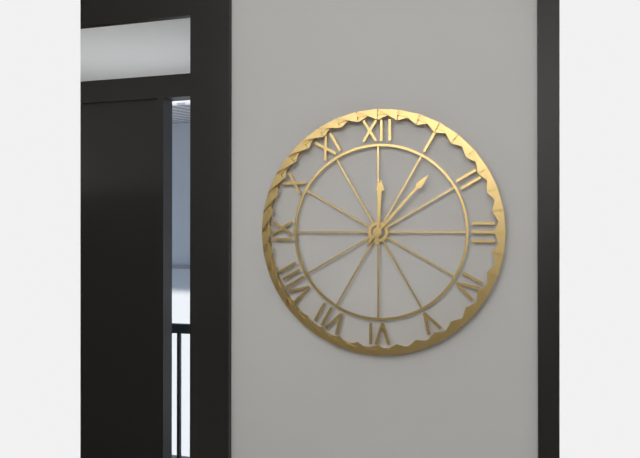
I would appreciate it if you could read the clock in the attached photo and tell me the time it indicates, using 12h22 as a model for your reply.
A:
12h07
